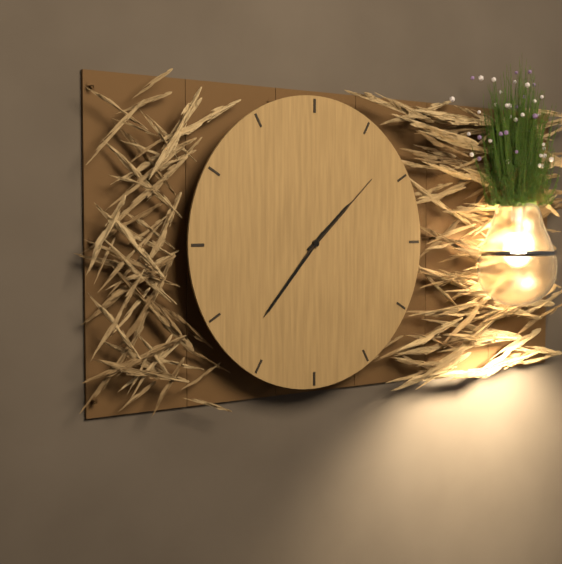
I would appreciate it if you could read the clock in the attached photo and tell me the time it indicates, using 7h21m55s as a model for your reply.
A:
1h37m08s
